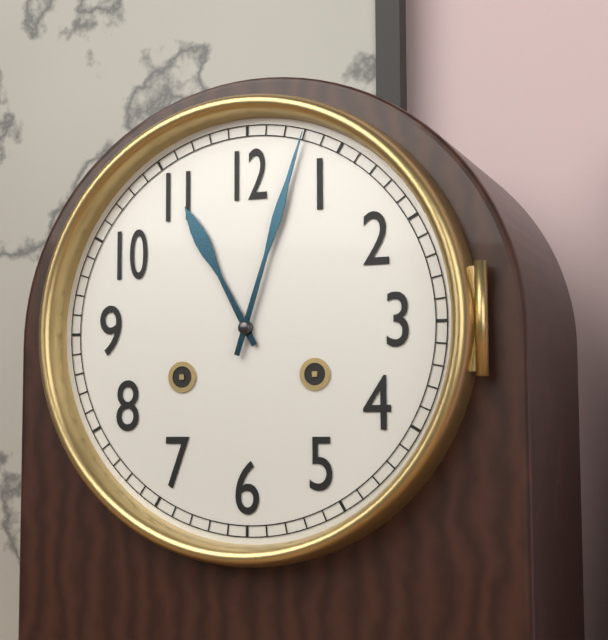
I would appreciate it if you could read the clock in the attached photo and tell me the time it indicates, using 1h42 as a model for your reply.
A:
11h03
